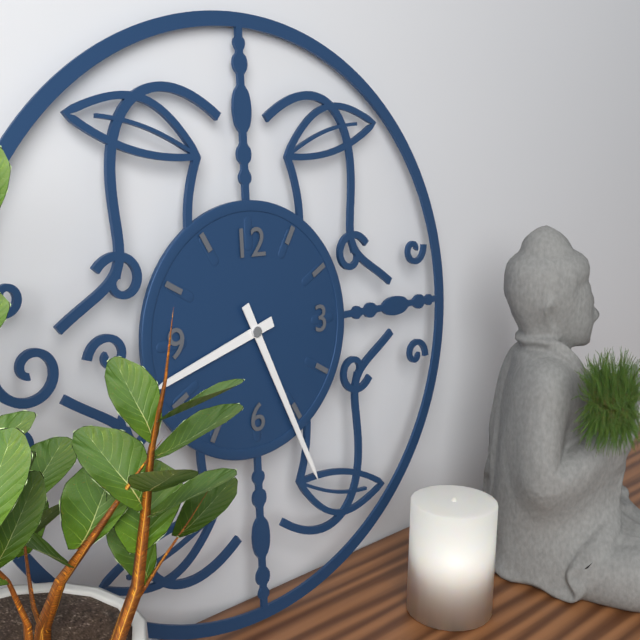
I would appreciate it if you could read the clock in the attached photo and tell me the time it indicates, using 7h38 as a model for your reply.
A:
8h26
